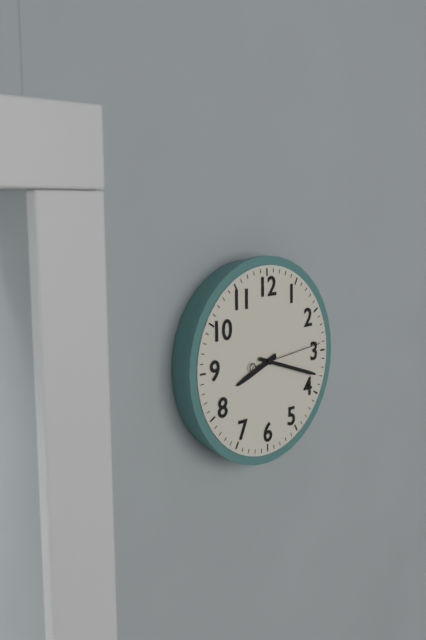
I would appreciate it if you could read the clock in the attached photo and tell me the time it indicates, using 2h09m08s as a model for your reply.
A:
8h18m14s
